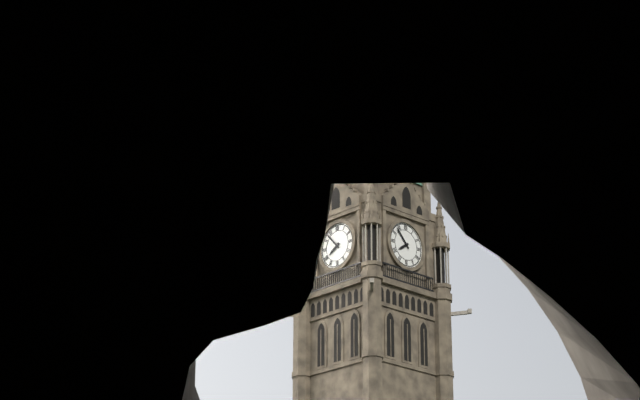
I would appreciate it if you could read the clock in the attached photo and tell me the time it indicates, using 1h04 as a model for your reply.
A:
7h53
